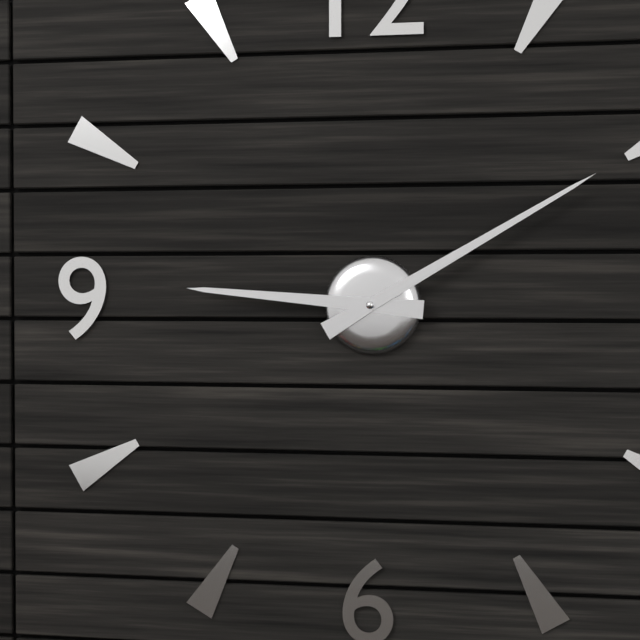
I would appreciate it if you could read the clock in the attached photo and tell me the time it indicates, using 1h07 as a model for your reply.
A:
9h10
